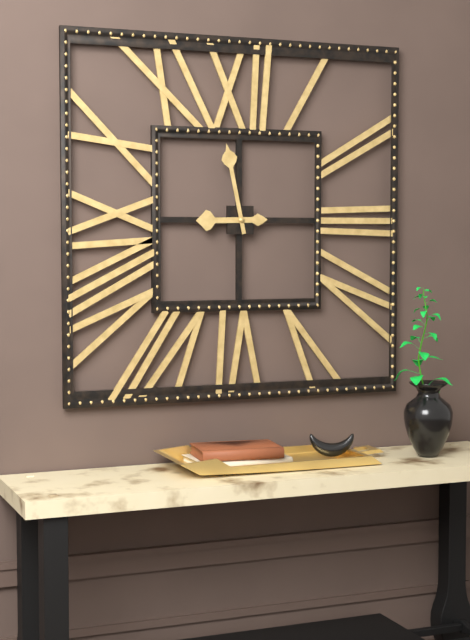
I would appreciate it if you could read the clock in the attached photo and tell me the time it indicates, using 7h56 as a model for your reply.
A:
8h58
